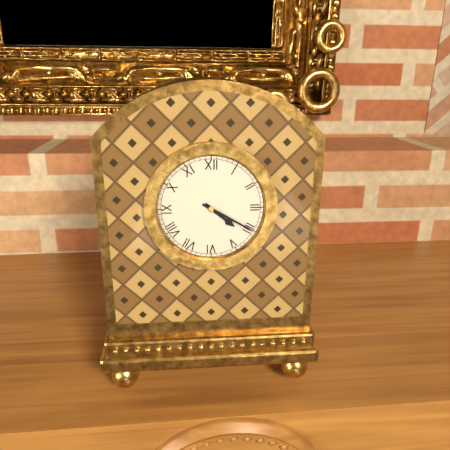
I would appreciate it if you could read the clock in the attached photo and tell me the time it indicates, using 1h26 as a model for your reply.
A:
4h20
